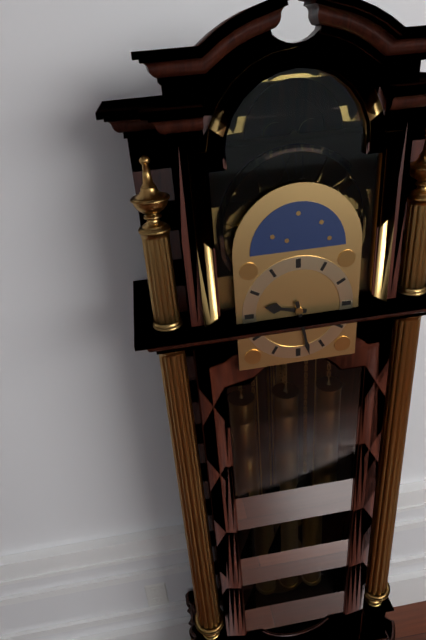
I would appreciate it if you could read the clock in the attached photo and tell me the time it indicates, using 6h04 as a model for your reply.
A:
9h28
